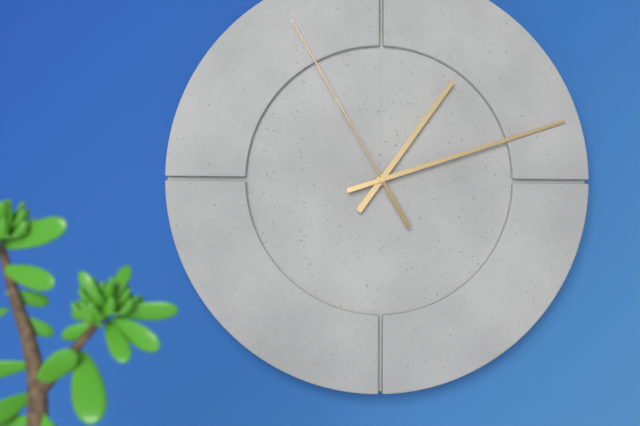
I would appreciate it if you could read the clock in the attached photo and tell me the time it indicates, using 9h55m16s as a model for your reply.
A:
1h12m55s
